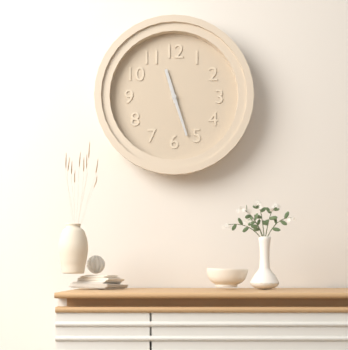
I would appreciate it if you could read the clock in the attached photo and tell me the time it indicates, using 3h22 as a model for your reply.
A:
11h27
